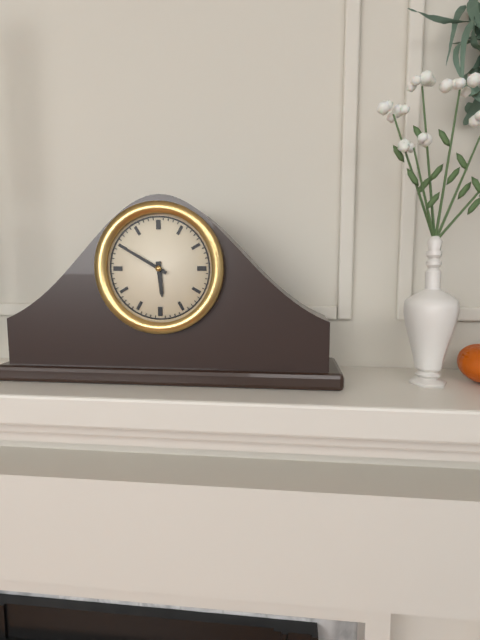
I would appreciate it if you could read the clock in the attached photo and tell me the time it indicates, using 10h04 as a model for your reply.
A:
5h50
